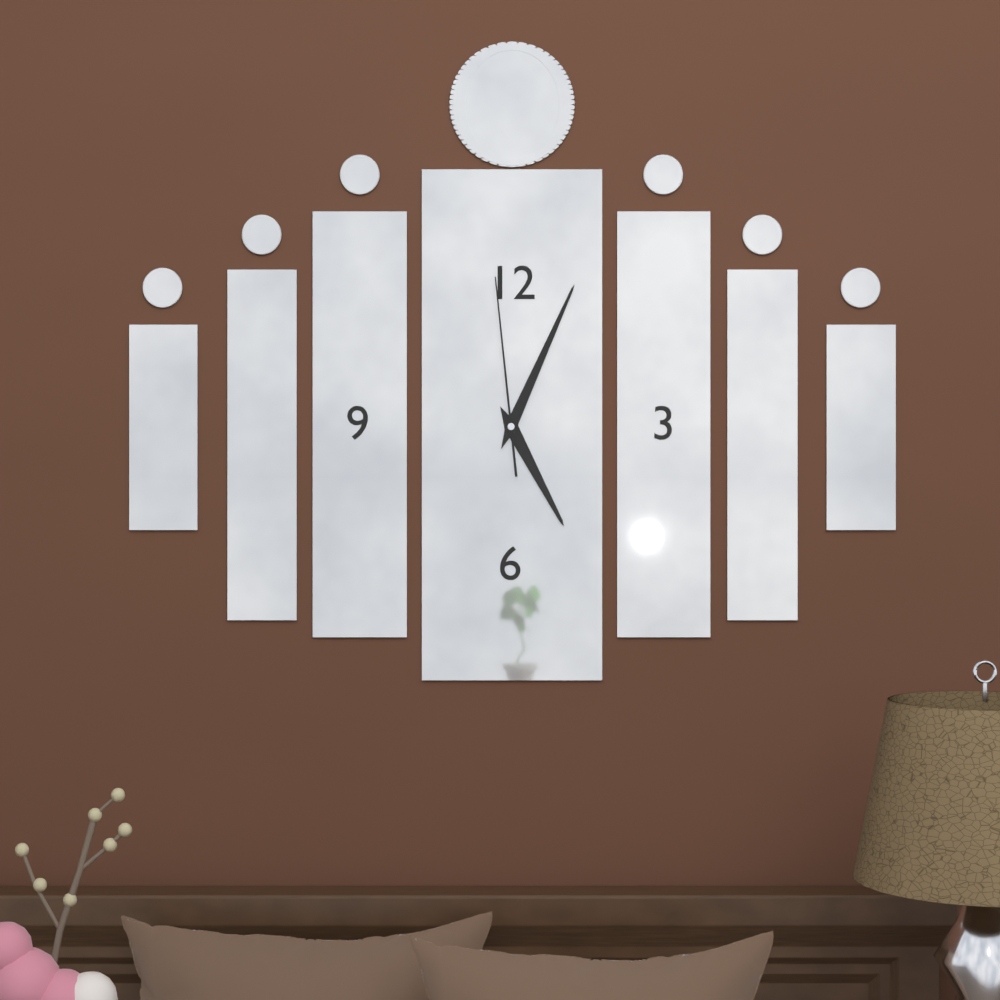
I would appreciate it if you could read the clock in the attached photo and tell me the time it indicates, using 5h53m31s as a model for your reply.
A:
5h04m59s
